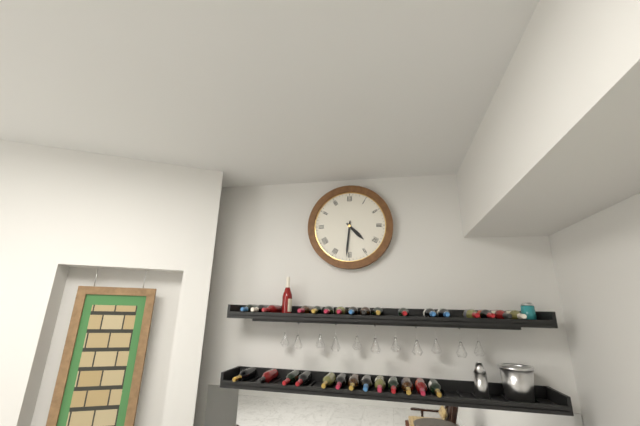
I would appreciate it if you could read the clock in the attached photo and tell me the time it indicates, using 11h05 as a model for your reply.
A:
4h31
